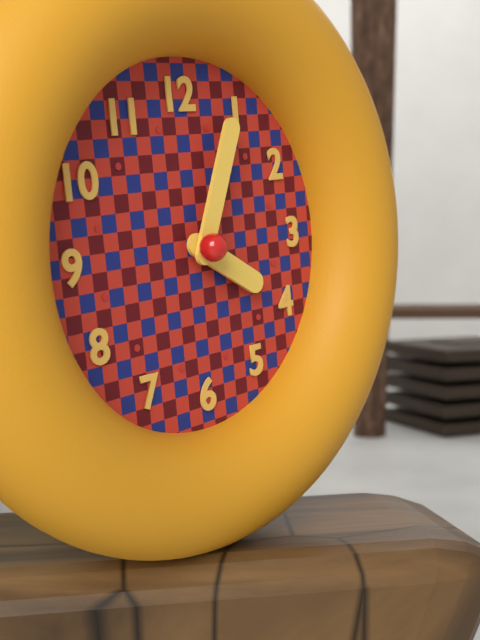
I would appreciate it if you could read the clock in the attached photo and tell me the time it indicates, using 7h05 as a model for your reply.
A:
4h04
